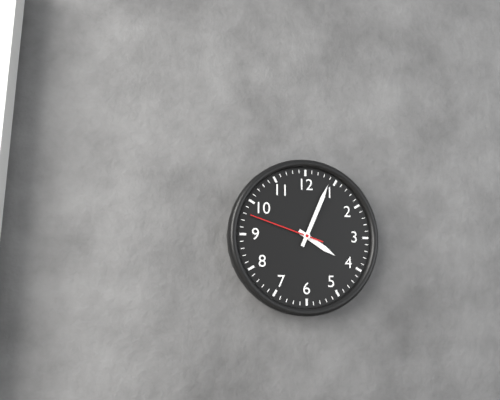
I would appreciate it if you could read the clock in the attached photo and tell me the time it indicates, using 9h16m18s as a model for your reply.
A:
4h04m48s
